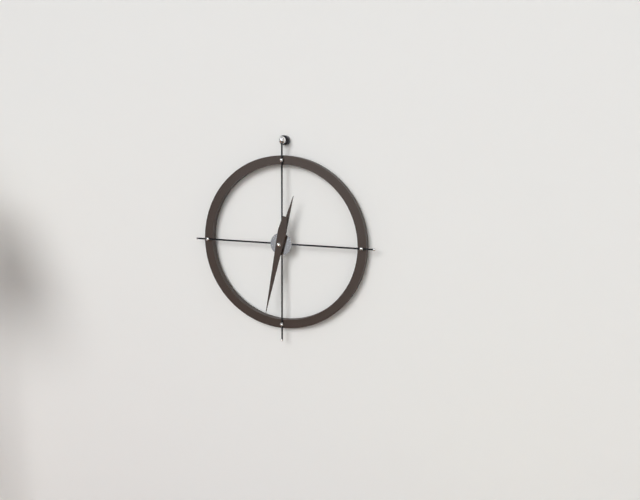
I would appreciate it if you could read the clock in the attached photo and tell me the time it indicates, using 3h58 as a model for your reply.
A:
12h32
